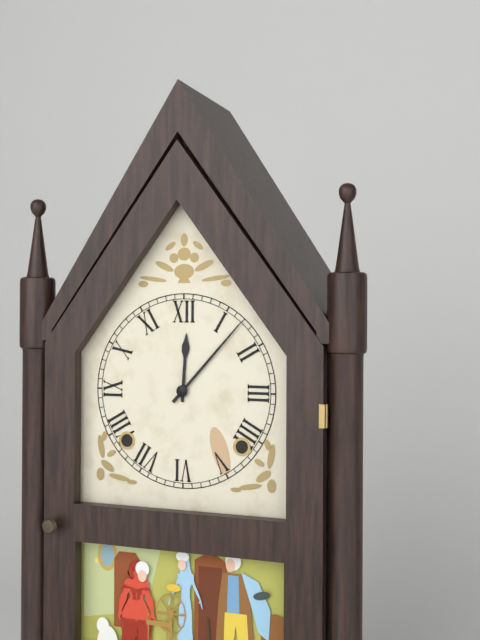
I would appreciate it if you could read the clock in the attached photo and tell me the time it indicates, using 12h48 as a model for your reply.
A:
12h07
